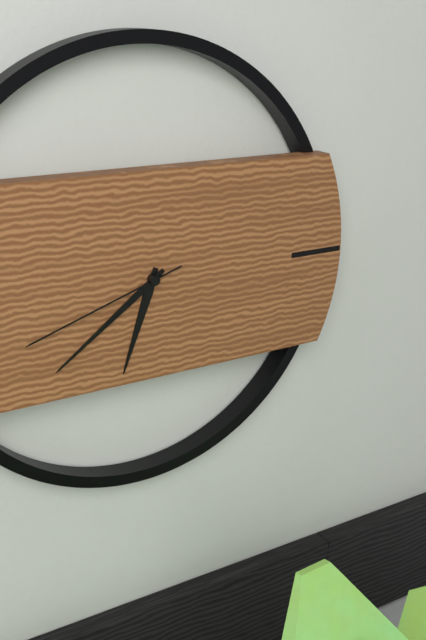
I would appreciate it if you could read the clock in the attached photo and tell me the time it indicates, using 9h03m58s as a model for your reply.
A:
6h39m42s
